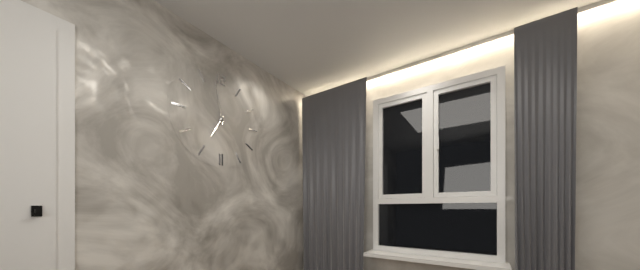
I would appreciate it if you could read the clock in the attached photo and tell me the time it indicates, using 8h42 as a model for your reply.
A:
6h58
